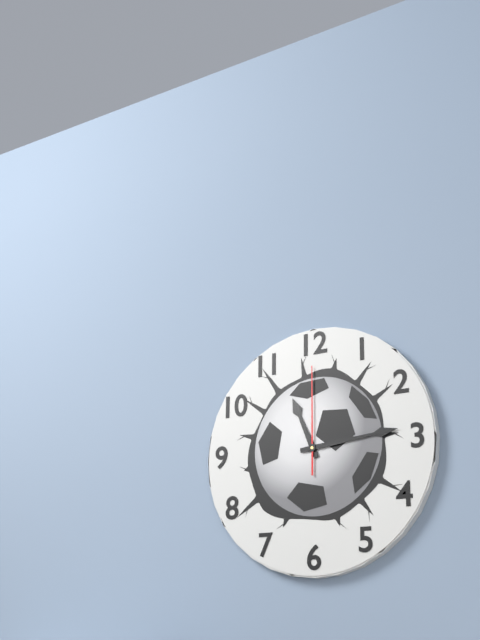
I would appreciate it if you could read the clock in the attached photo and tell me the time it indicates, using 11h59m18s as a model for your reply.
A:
11h14m00s
